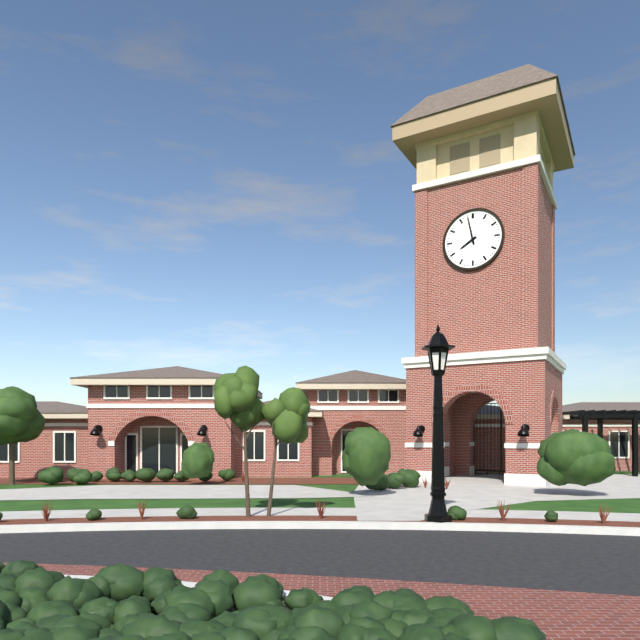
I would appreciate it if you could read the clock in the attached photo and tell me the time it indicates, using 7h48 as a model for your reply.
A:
7h58
